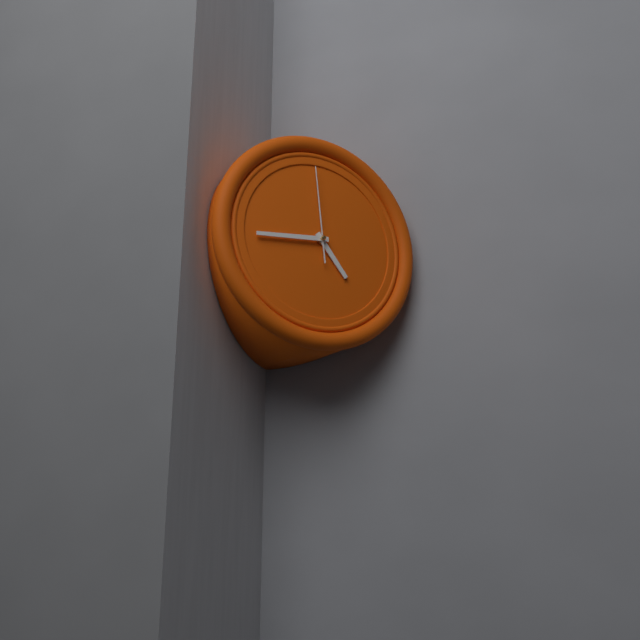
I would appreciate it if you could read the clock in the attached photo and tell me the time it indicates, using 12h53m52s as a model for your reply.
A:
4h44m59s
